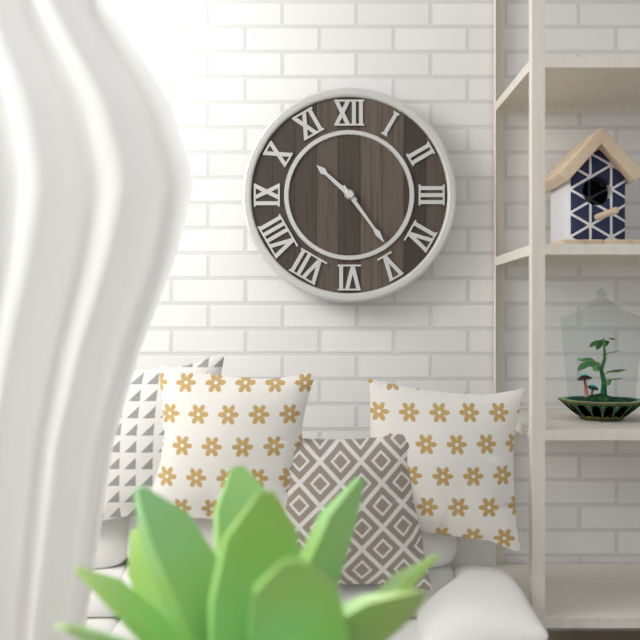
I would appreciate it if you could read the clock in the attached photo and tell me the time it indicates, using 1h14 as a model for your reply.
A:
10h24
